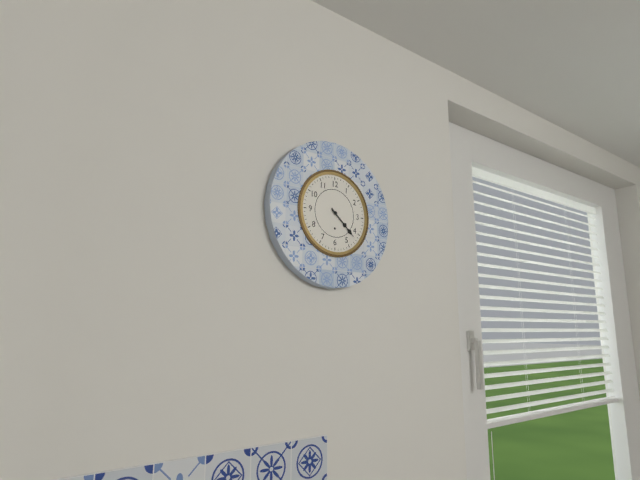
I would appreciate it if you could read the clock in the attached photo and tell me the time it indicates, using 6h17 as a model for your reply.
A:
4h22
